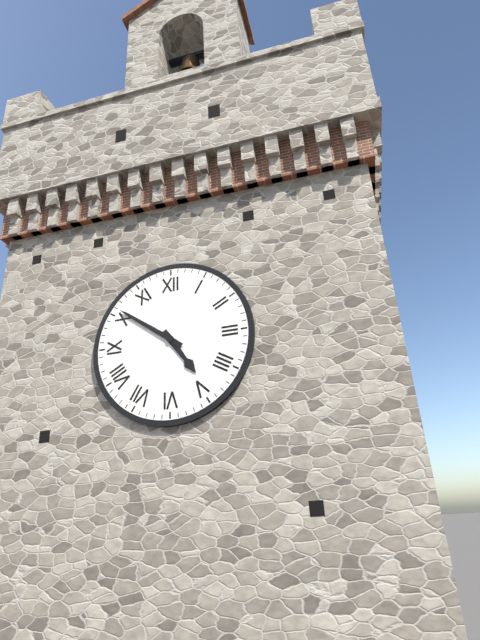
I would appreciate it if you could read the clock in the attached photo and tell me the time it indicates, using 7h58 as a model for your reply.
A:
4h51
